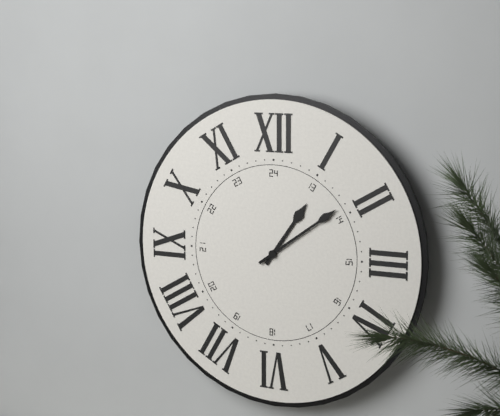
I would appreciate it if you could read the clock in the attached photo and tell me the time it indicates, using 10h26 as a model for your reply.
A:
1h09
